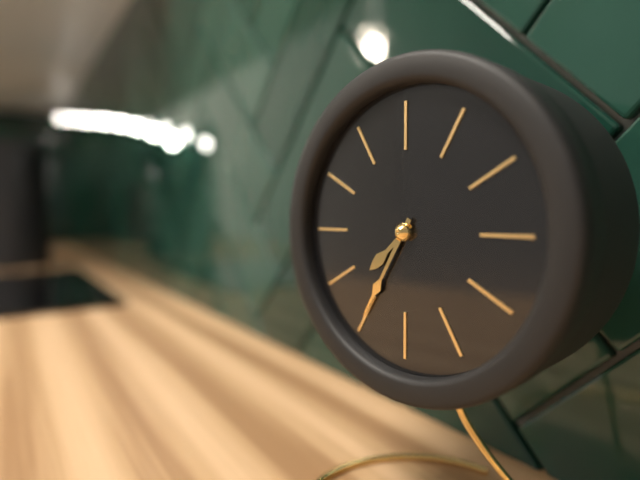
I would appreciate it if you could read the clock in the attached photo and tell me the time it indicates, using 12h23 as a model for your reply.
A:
7h35
